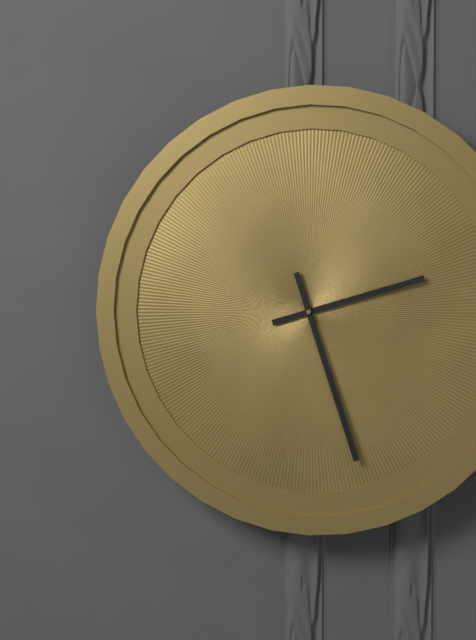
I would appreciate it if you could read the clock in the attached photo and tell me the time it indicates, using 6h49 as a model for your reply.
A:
2h27
